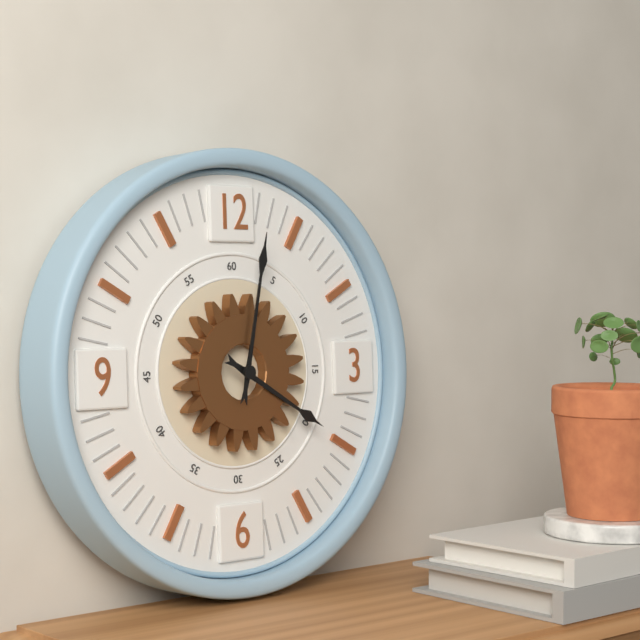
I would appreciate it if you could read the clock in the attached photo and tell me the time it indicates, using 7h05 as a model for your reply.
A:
4h02
